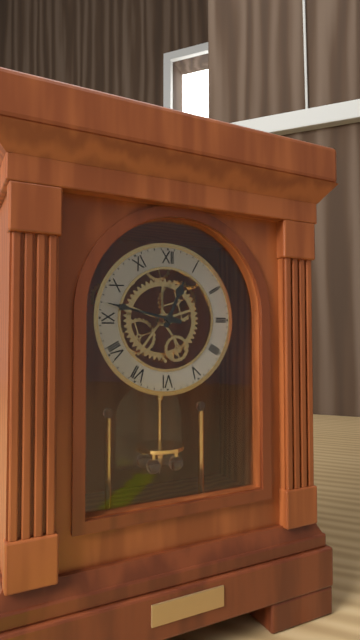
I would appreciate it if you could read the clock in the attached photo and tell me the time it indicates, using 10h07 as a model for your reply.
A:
12h47
